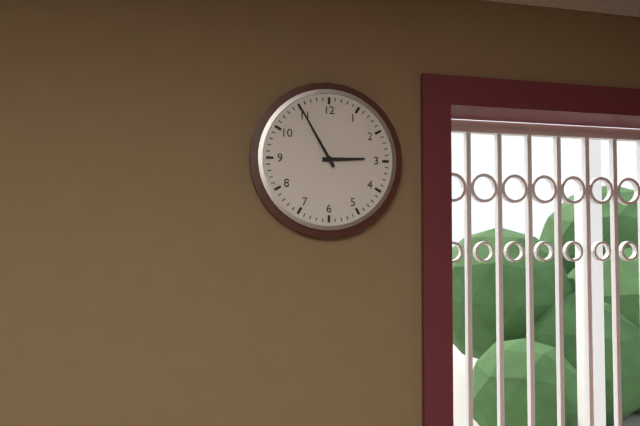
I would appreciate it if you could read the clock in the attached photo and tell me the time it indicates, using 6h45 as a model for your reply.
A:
2h55
